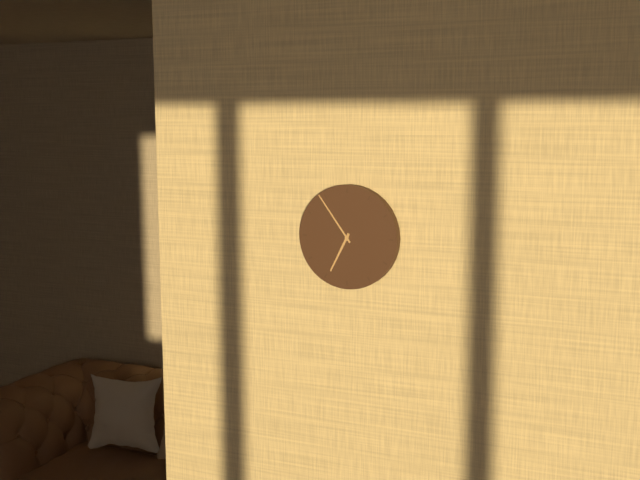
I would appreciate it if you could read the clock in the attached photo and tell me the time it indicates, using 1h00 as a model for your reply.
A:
6h54
